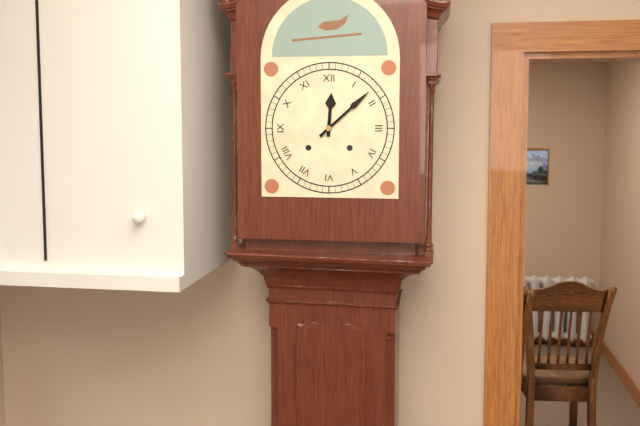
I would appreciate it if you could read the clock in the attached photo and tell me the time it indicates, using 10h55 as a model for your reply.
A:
12h08
